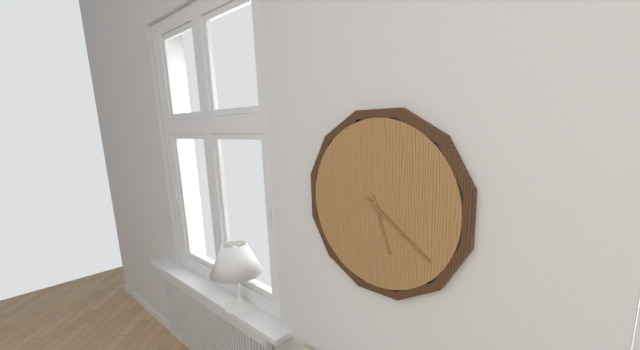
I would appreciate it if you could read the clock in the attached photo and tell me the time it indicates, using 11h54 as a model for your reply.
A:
5h21
